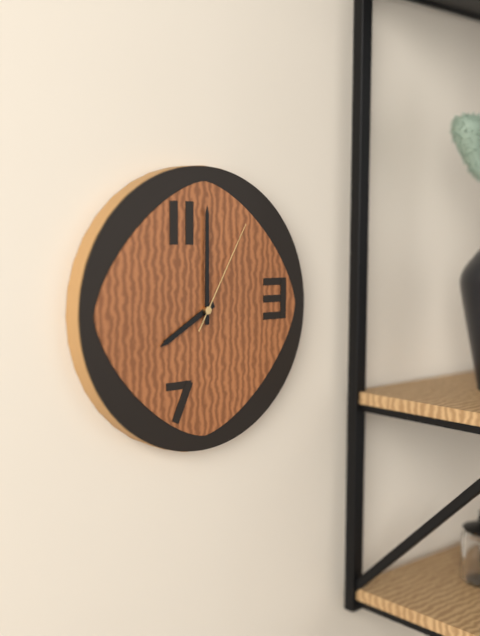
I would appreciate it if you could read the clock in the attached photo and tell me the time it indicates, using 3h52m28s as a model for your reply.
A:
8h00m05s
